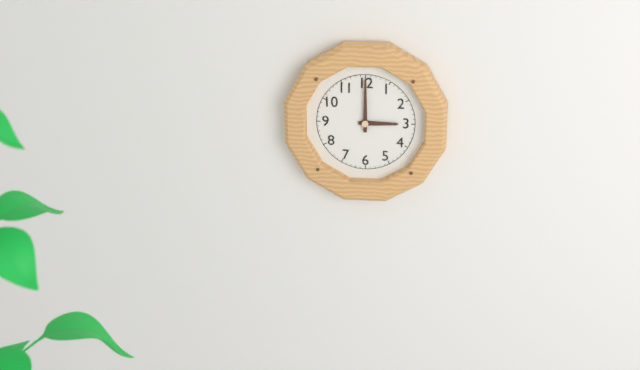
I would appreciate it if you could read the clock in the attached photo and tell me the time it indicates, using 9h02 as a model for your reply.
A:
3h00
